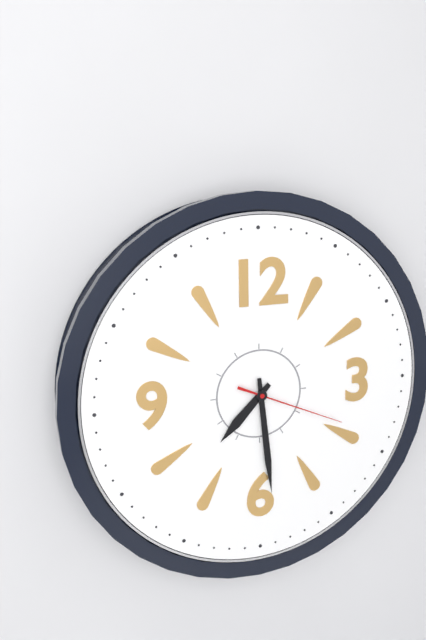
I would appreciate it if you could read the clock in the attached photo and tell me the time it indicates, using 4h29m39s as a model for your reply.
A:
7h29m19s
